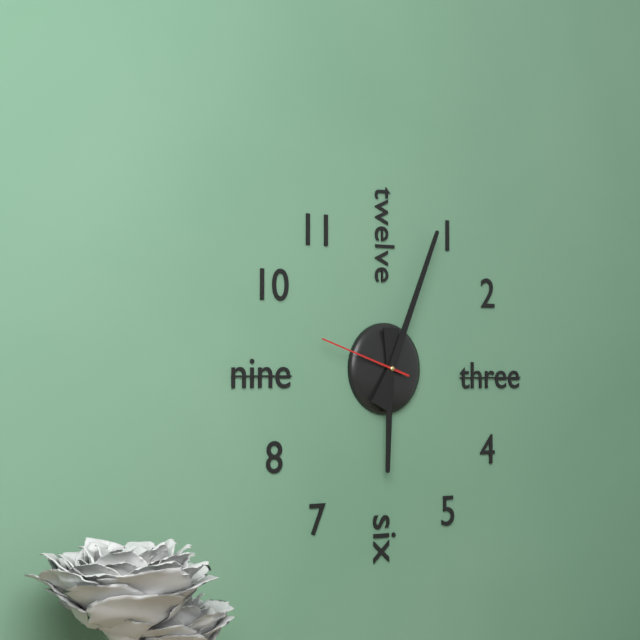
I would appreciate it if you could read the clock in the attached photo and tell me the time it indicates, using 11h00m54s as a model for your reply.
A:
6h04m48s
